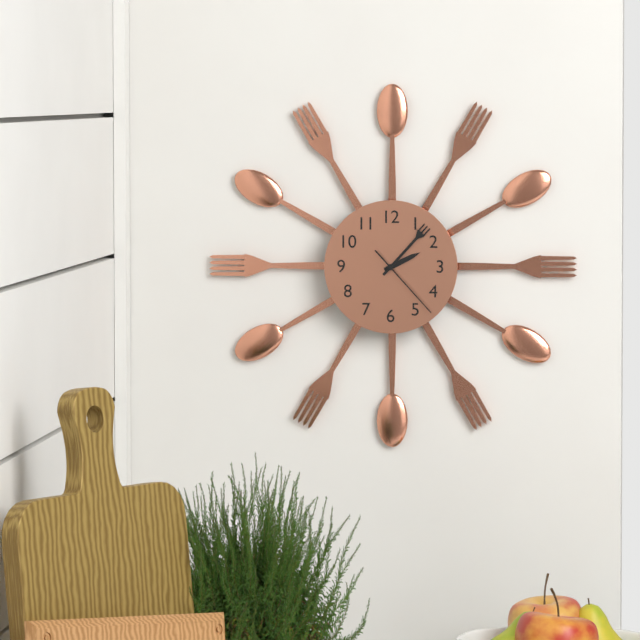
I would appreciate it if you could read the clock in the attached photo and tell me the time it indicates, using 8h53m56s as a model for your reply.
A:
2h07m23s
